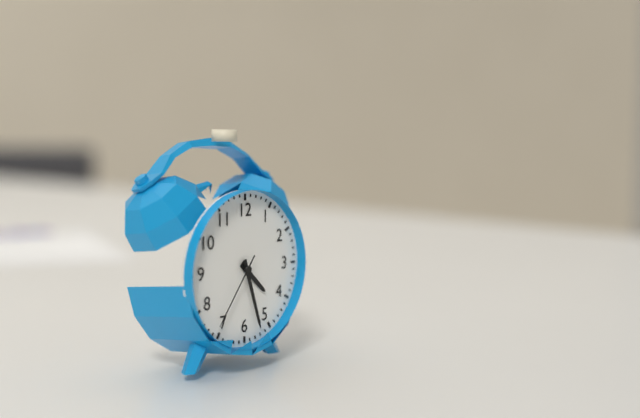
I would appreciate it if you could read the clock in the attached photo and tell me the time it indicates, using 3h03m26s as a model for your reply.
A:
4h27m36s
